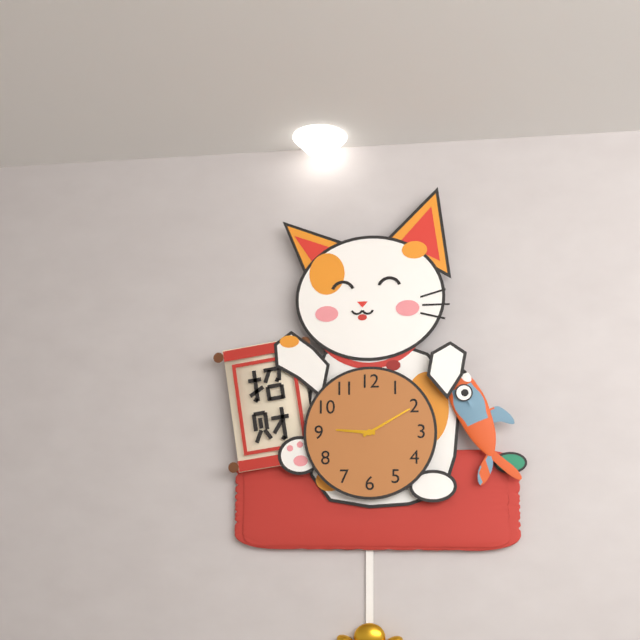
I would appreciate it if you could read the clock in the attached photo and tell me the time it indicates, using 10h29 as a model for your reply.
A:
9h10
